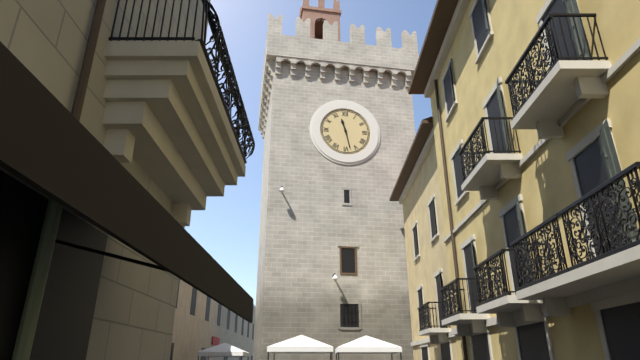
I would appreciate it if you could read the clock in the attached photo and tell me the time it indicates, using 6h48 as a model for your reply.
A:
11h28
